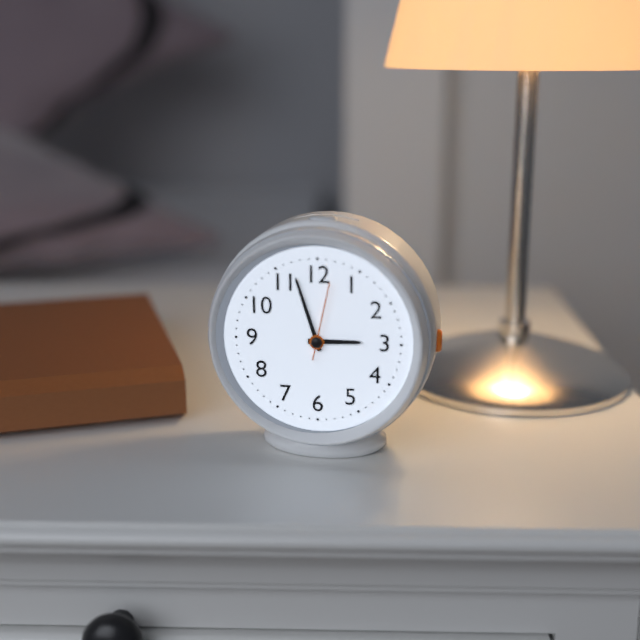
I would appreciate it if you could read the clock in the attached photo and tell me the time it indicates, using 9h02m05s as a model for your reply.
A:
2h57m02s
